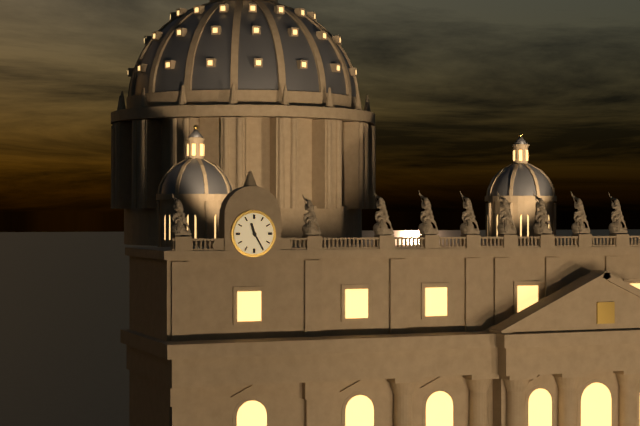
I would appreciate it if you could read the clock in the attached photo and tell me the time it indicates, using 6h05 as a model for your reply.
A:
11h25
